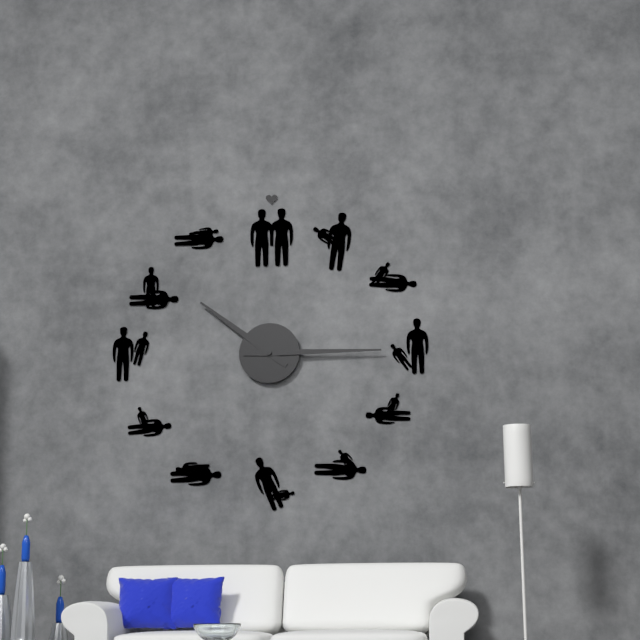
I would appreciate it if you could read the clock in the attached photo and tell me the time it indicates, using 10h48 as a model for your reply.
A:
10h15
